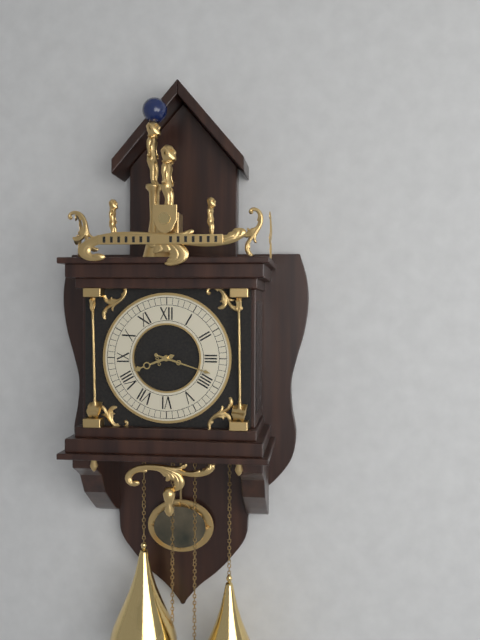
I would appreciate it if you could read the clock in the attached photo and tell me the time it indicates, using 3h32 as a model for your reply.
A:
8h18
